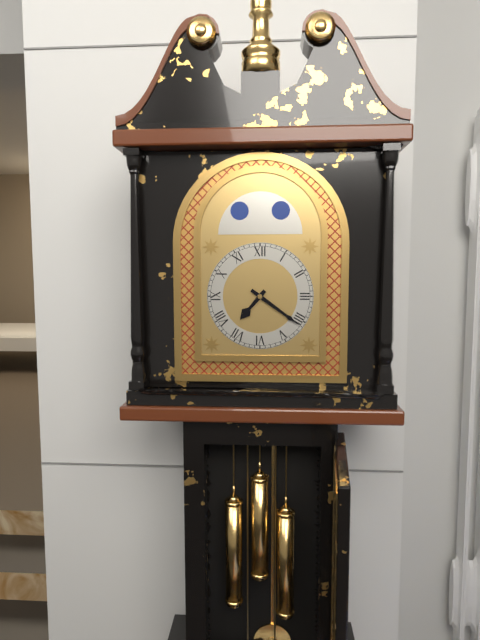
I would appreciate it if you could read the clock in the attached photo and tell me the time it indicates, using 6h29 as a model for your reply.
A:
7h21
